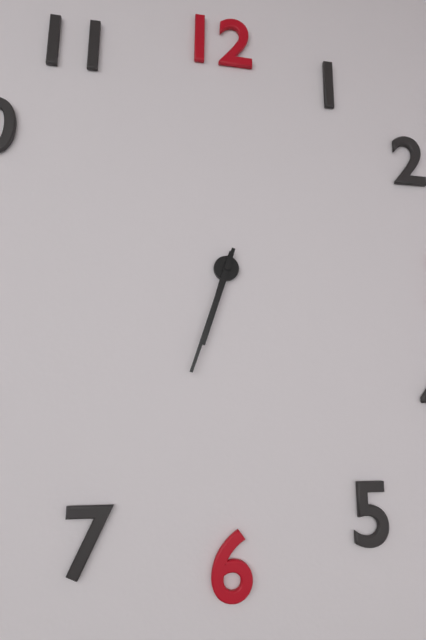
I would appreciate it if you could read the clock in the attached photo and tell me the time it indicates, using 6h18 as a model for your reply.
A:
6h33
